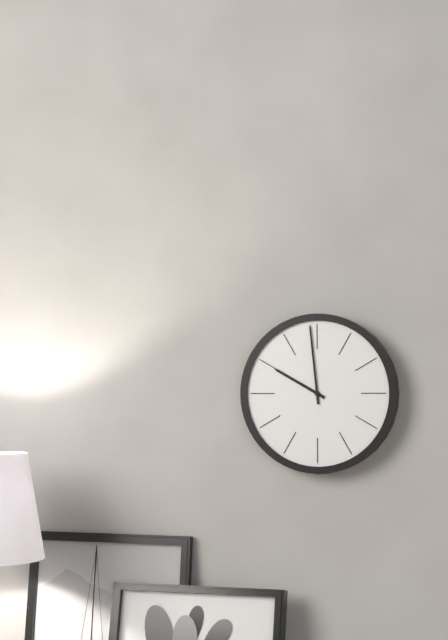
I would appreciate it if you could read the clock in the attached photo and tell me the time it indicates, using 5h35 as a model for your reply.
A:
9h59
